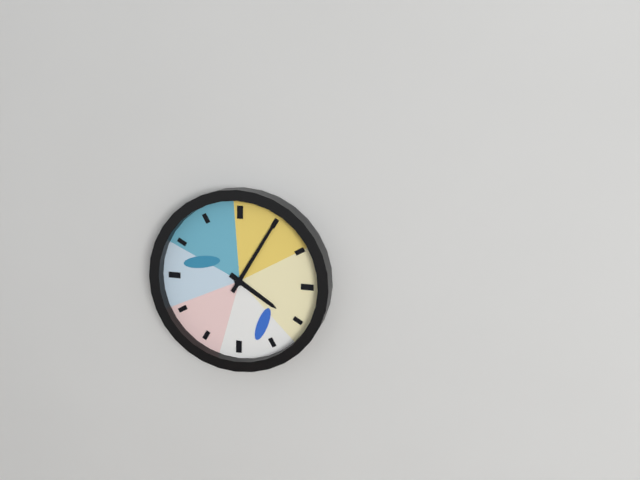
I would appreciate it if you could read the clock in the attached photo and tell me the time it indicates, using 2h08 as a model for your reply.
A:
4h05
